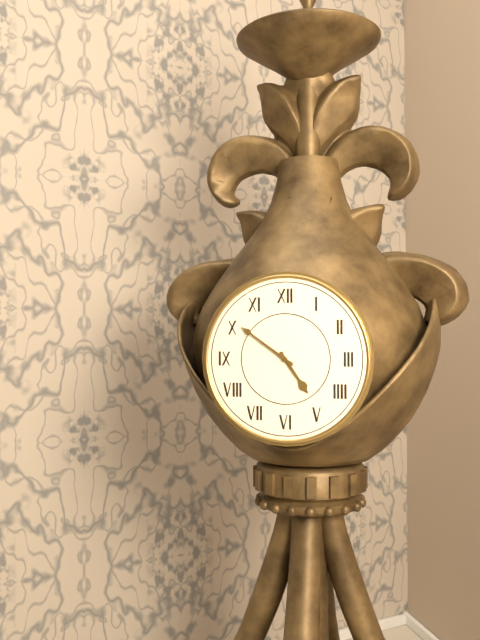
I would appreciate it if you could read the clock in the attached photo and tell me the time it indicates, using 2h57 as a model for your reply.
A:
4h51
